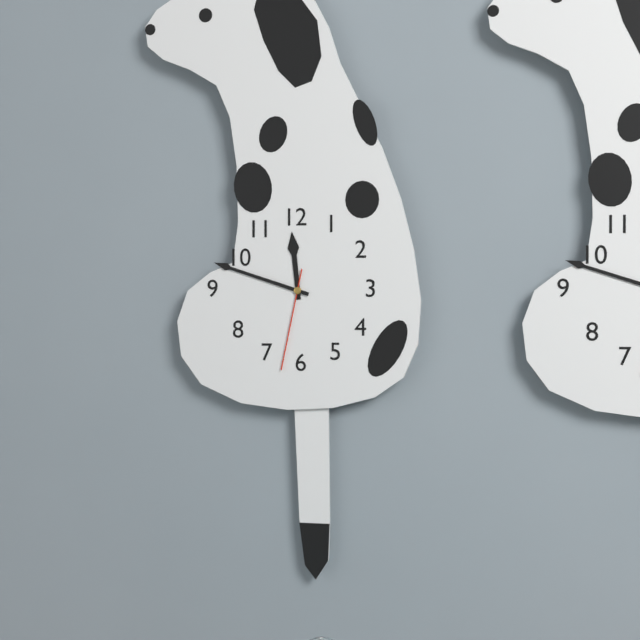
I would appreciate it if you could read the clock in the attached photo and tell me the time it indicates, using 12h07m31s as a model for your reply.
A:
11h48m32s
